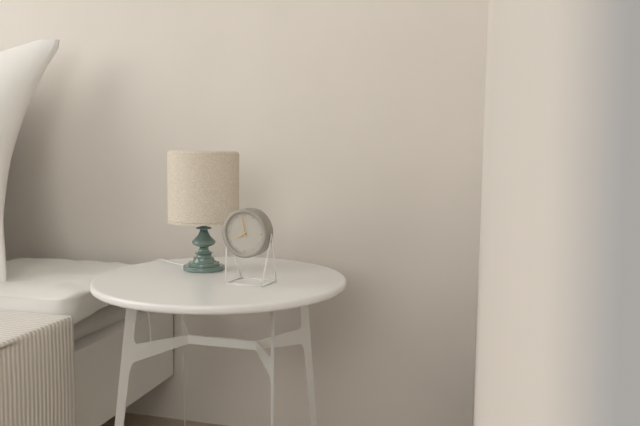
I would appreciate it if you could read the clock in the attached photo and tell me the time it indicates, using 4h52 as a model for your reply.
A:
7h58
